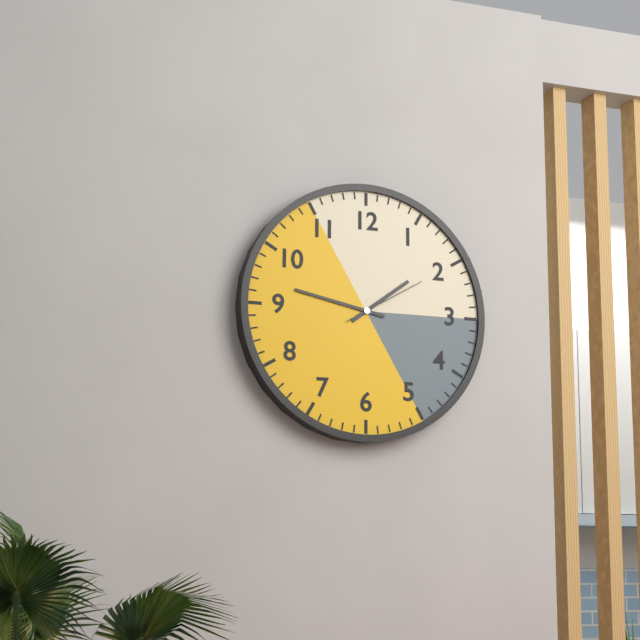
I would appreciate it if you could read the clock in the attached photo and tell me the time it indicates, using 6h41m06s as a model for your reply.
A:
1h47m10s
